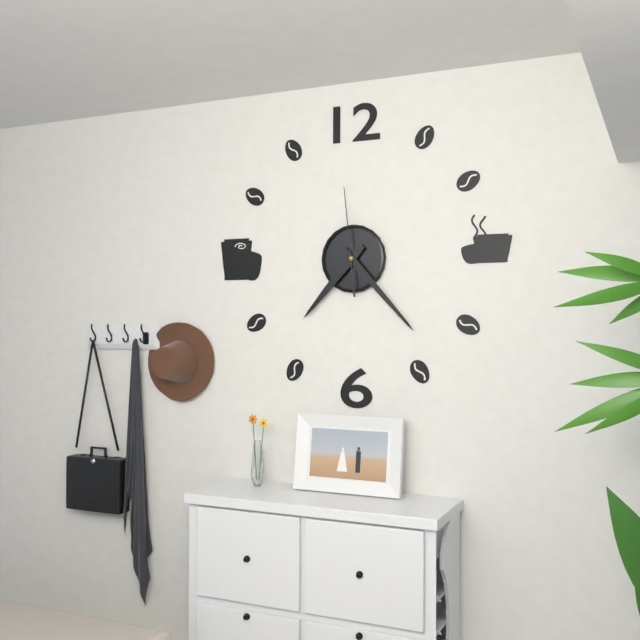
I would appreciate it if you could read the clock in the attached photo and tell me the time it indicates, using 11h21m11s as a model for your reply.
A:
7h23m59s
